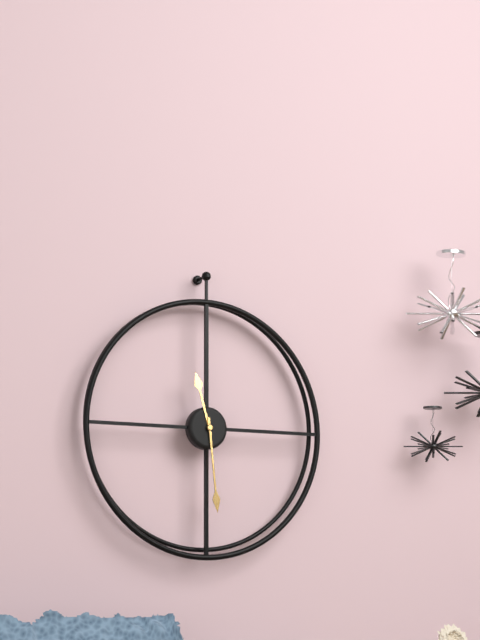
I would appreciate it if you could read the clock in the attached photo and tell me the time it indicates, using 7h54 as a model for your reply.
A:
11h29
